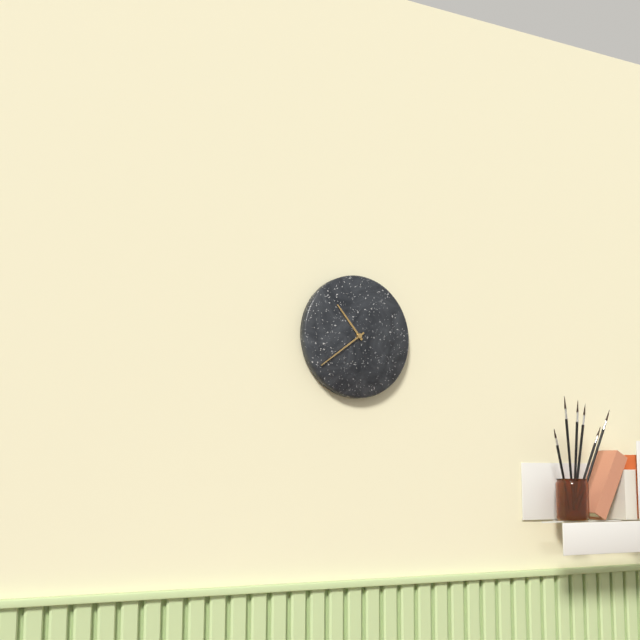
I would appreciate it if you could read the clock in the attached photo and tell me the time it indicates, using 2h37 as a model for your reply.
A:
10h39
